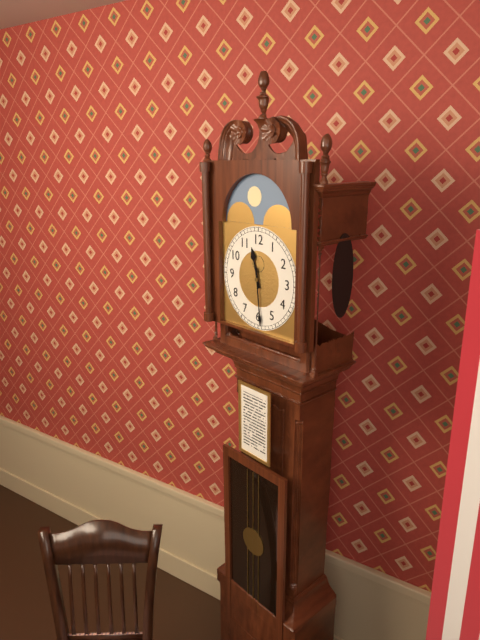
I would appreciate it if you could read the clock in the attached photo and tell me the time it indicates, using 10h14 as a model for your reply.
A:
11h29
